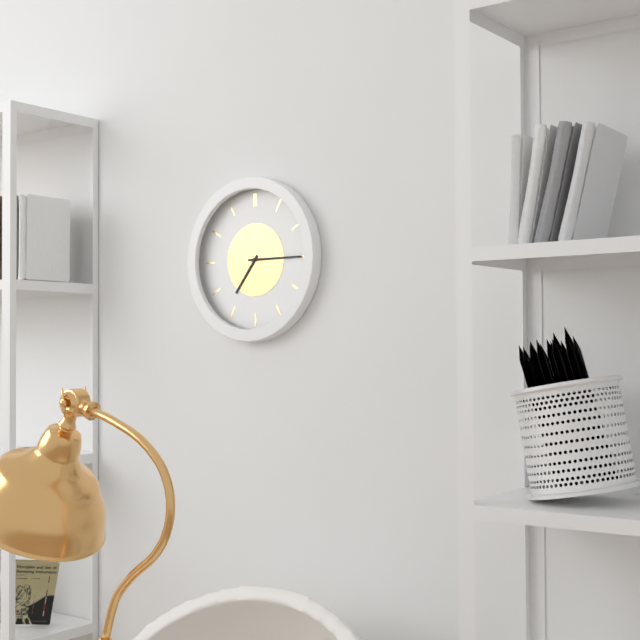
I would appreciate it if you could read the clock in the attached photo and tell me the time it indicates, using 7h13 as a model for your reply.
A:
7h15
